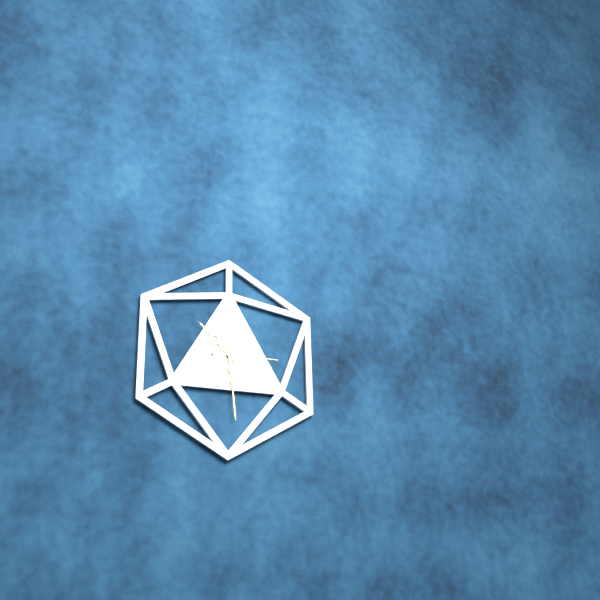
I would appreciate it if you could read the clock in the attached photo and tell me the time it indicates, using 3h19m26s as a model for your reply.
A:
10h29m15s
